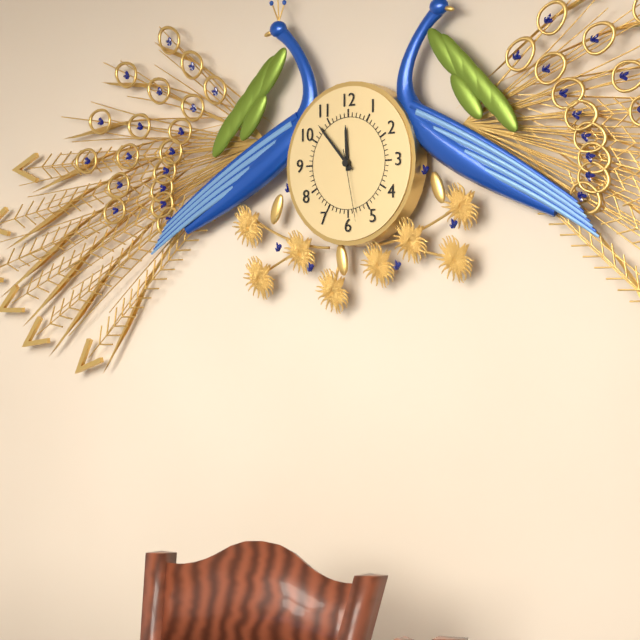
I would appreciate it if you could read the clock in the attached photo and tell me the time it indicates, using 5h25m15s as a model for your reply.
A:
11h53m28s
